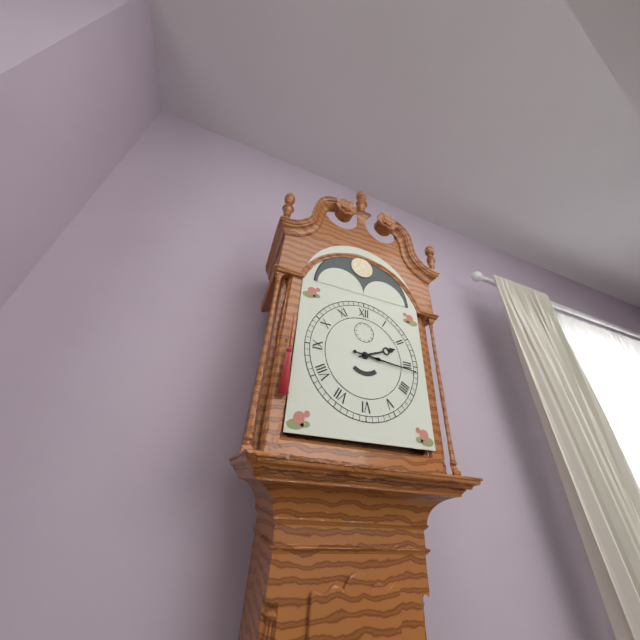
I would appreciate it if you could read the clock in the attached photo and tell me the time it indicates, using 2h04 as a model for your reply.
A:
2h16
